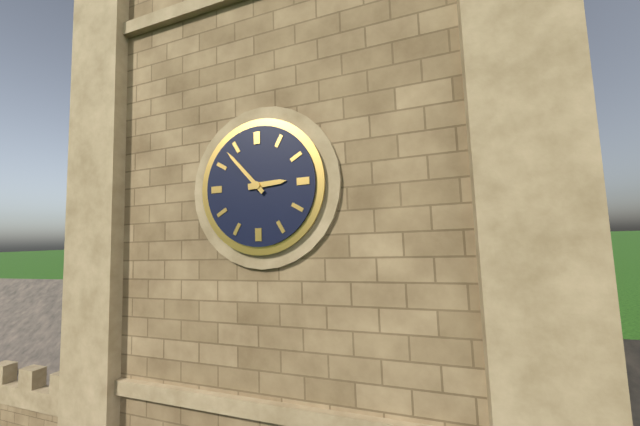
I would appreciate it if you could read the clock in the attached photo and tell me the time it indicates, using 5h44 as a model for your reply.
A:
2h53
